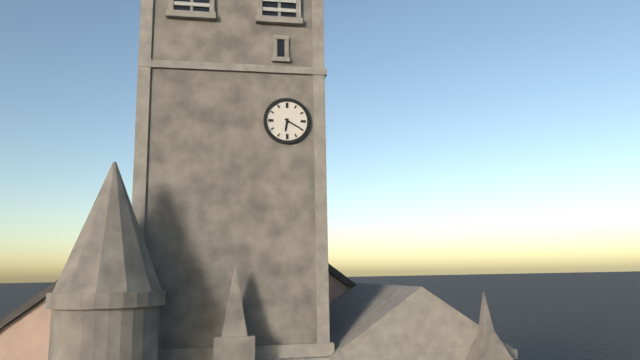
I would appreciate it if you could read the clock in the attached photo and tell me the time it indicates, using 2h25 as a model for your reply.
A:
6h20
